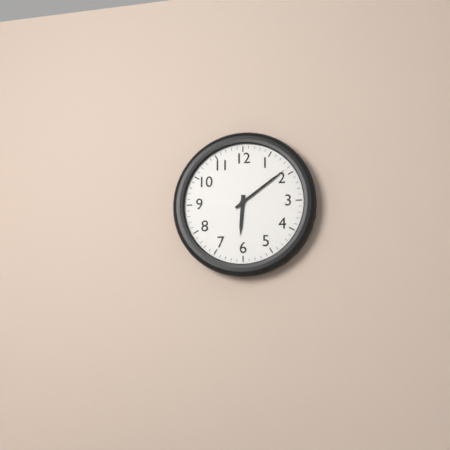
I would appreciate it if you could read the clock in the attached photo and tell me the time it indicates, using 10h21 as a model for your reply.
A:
6h09
